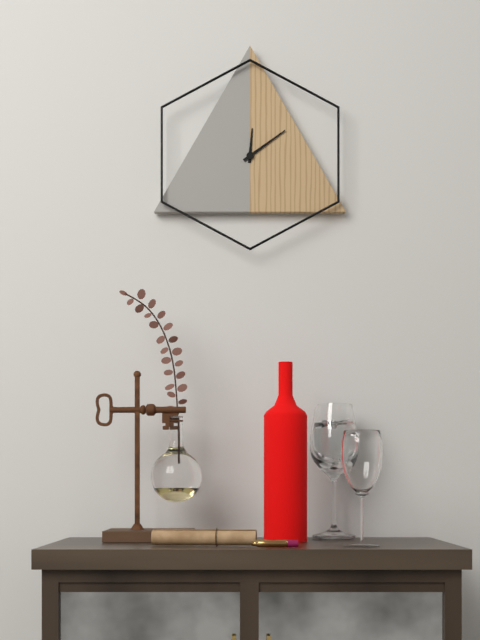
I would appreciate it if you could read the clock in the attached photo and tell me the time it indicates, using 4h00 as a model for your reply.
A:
12h09
